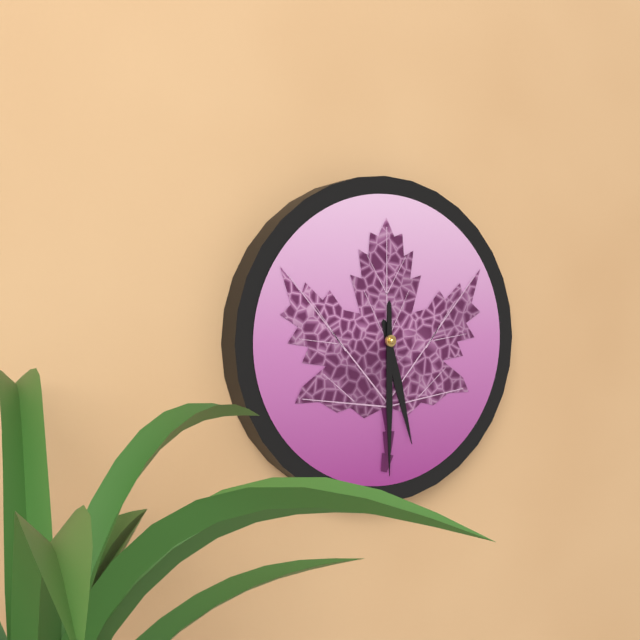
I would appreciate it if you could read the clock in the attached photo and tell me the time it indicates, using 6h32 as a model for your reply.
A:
5h30
